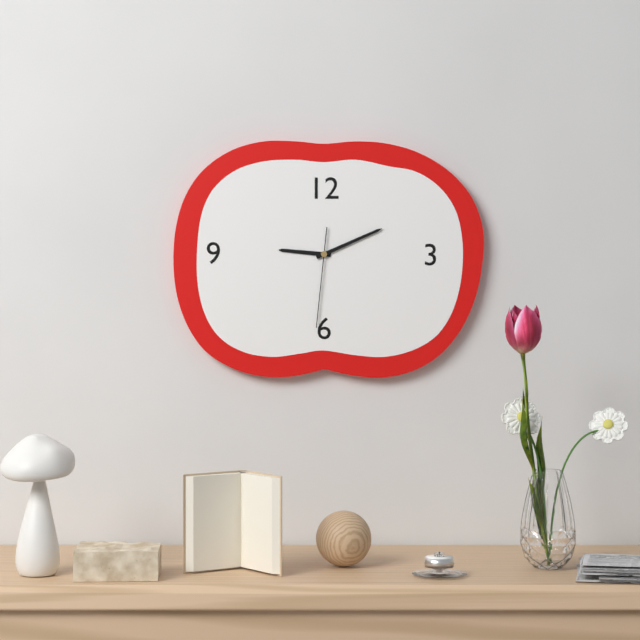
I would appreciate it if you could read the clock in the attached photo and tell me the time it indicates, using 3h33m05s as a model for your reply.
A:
9h11m31s
